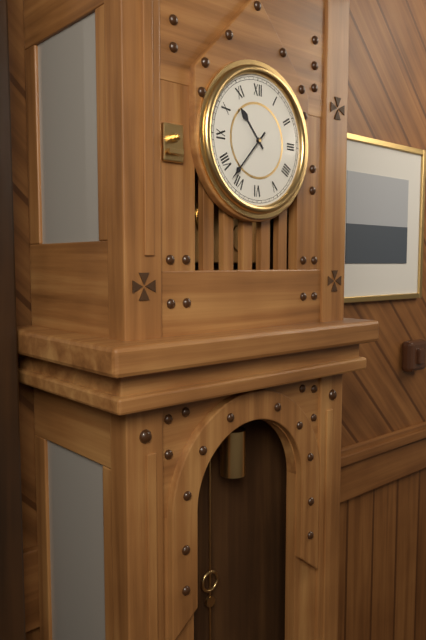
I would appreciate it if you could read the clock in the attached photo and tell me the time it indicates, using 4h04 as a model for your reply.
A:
10h37
